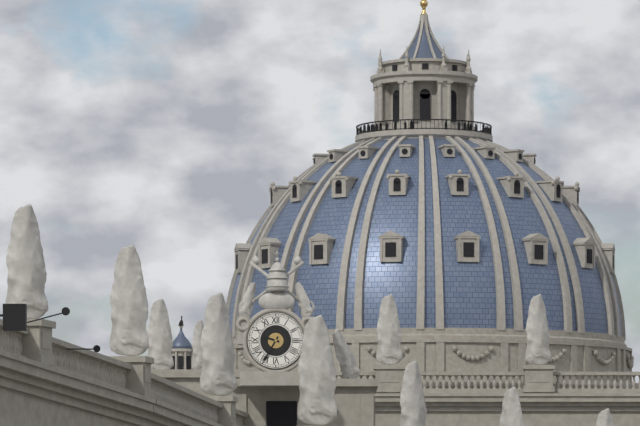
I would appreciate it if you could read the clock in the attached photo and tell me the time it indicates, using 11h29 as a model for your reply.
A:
9h35
